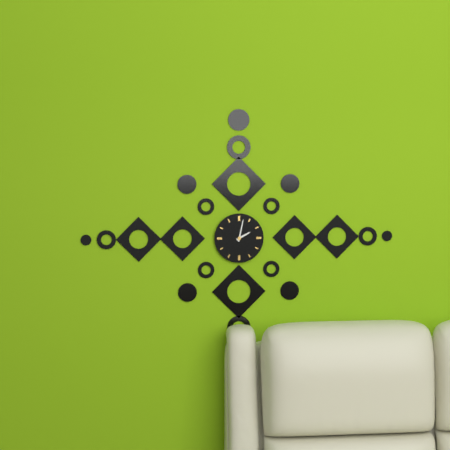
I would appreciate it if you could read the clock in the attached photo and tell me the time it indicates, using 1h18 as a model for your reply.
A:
2h02
